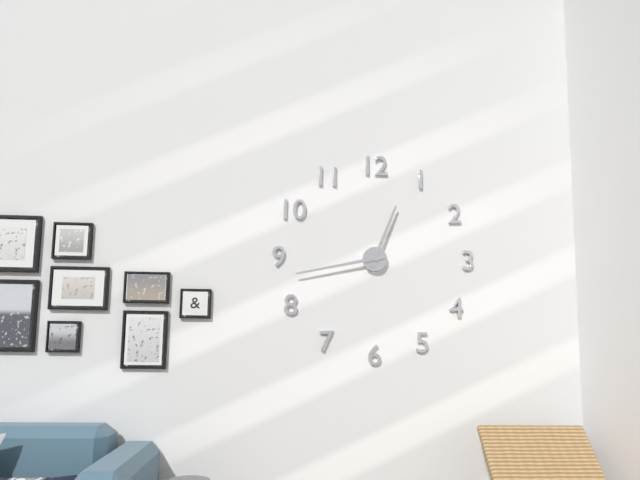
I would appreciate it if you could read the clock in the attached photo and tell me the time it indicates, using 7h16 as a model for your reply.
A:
12h43
